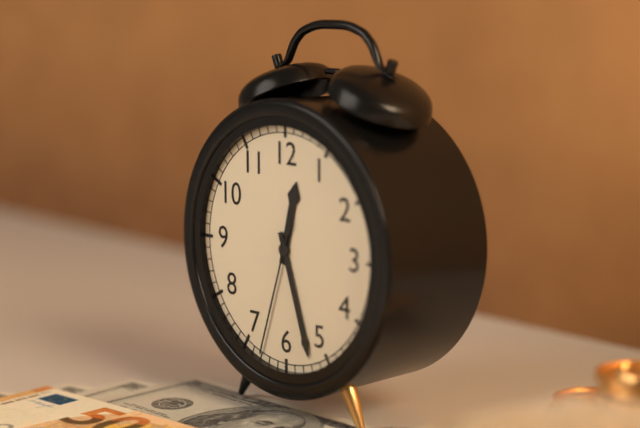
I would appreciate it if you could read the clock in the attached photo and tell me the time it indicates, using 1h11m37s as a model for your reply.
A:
12h27m33s
